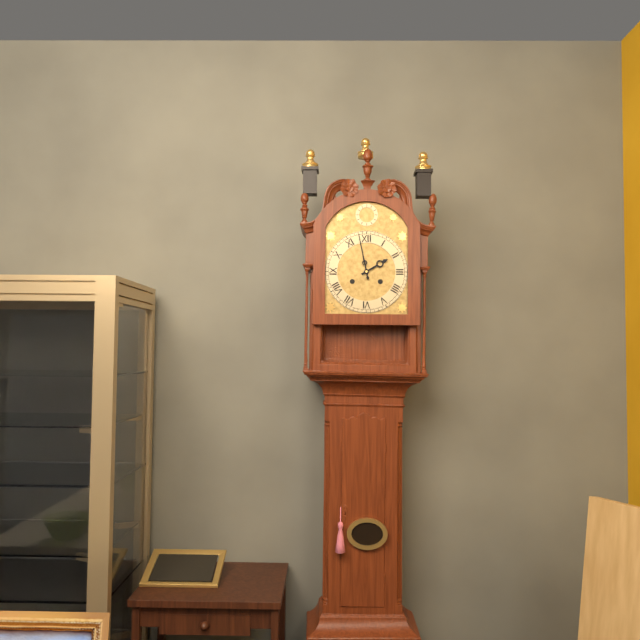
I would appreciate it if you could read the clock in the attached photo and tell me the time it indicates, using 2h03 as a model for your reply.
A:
1h58
